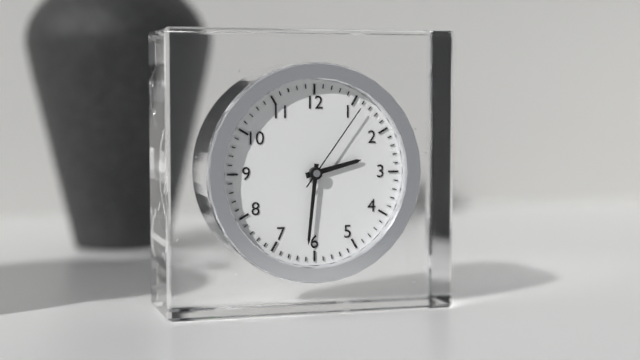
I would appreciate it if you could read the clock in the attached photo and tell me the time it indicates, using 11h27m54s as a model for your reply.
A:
2h31m06s
